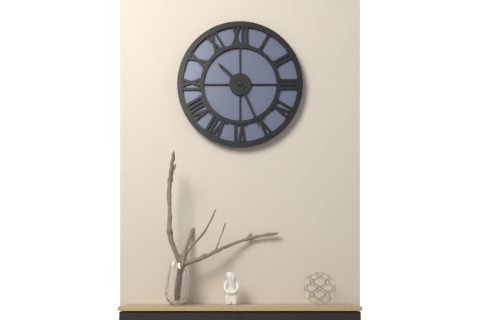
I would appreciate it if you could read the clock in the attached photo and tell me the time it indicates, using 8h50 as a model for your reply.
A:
10h26
